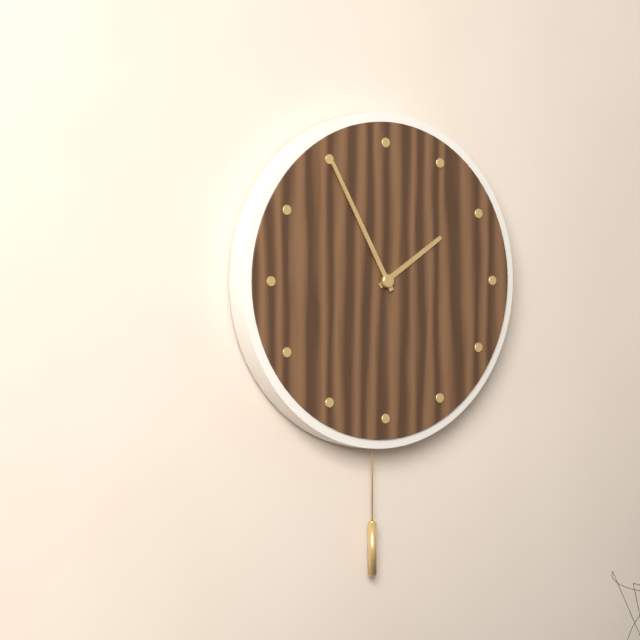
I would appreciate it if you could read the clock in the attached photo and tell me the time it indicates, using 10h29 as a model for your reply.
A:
1h55
